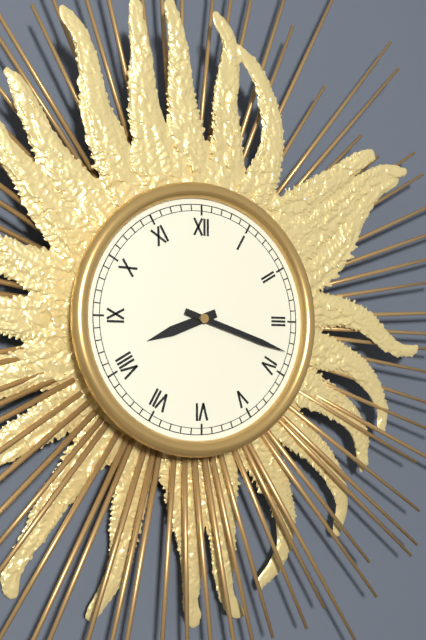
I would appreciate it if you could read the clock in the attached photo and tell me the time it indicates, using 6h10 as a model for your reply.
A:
8h18
